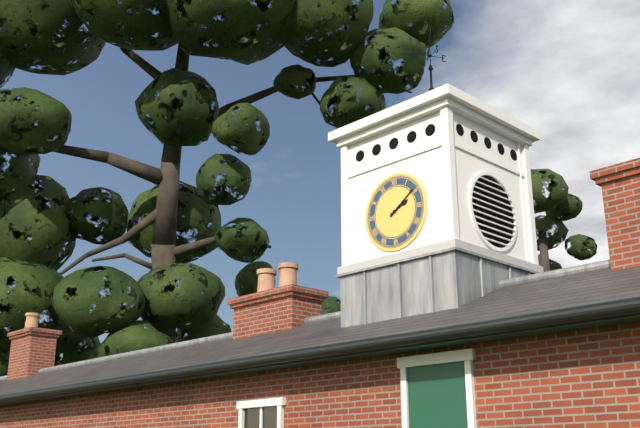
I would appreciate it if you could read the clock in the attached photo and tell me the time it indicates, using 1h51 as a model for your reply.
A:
2h09
